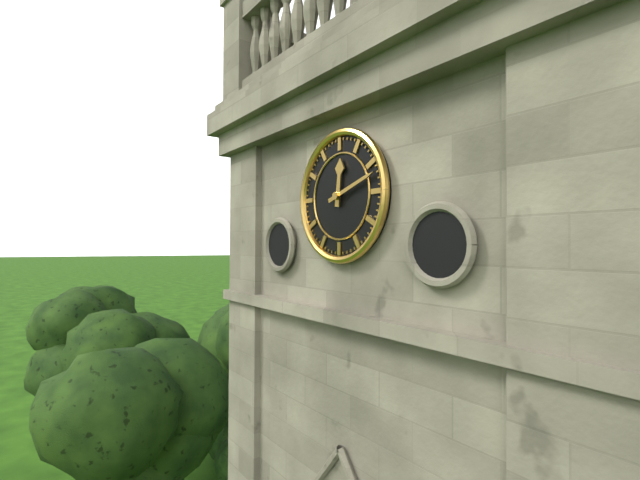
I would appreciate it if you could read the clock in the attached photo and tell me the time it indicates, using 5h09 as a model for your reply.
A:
12h12
